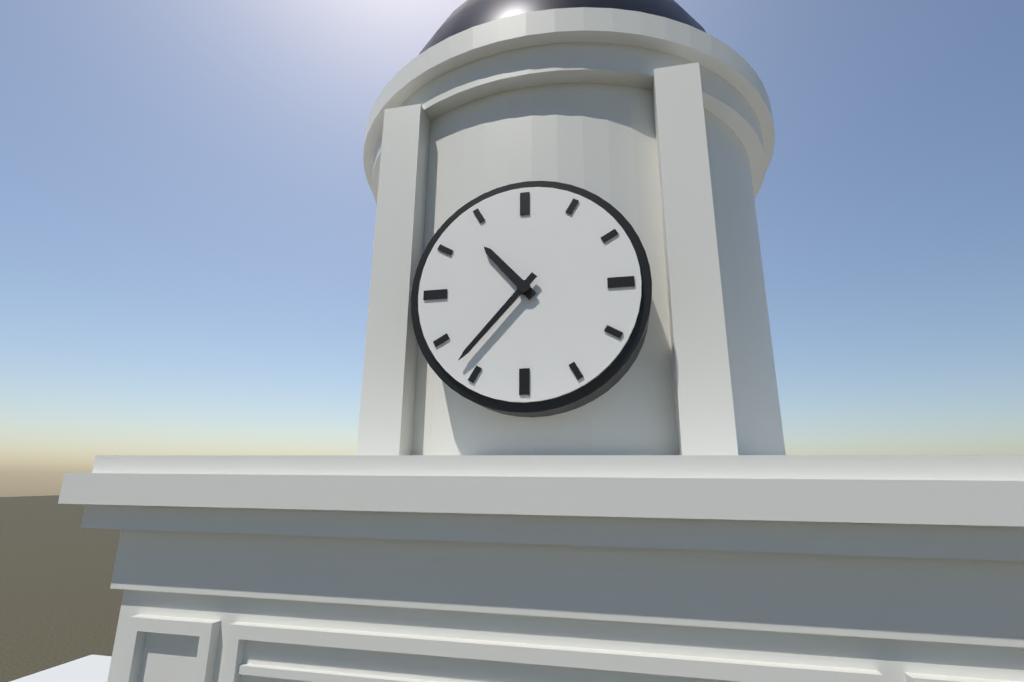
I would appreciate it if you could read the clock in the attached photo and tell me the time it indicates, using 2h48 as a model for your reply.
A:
10h37
